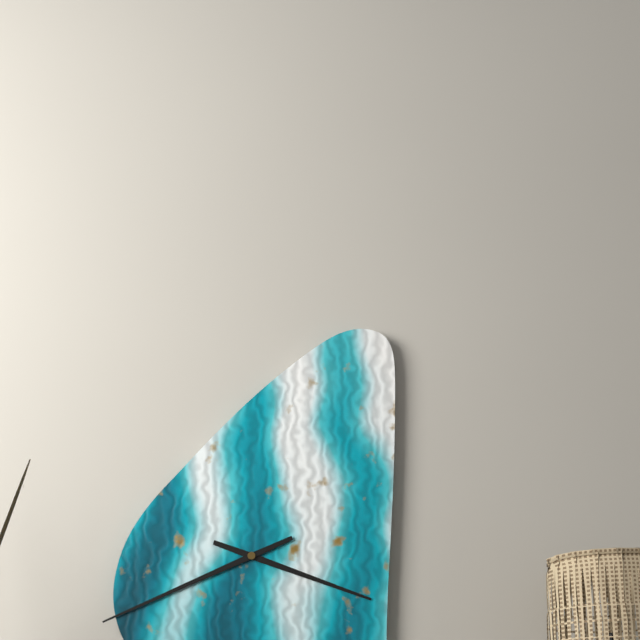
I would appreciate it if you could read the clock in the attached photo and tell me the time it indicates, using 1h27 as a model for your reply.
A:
3h41
